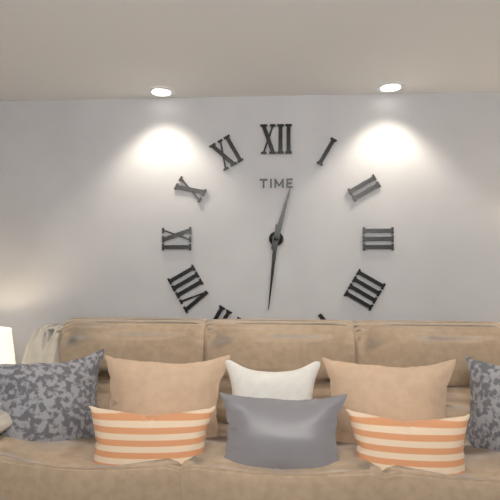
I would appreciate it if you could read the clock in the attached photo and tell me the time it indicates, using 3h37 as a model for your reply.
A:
12h31
